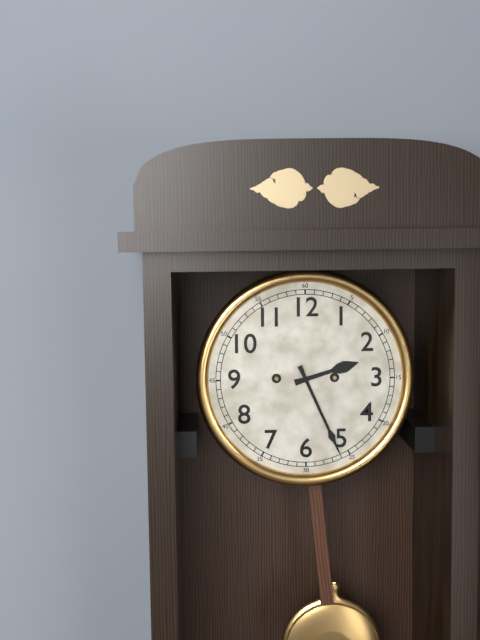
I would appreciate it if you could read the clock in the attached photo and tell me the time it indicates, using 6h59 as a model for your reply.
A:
2h26
